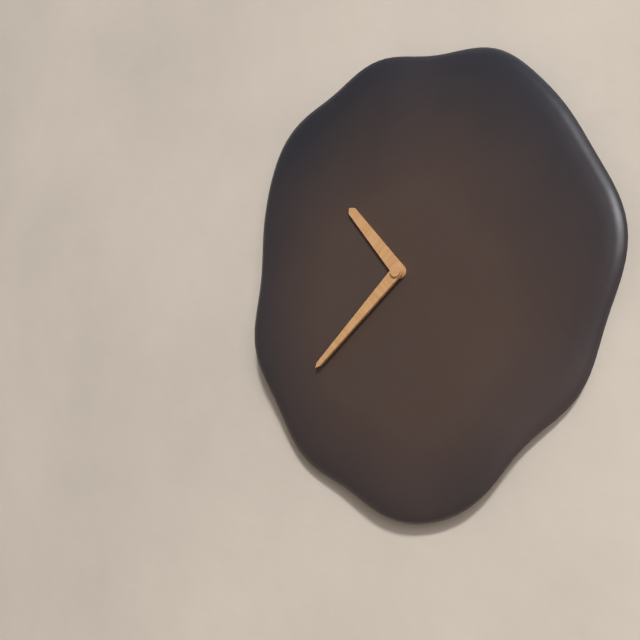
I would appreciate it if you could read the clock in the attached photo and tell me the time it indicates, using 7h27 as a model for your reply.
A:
10h38
